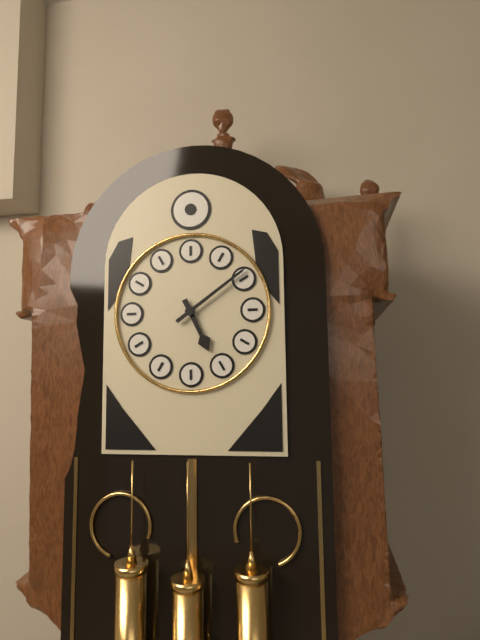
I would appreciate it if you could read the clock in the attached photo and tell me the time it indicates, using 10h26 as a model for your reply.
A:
5h09
